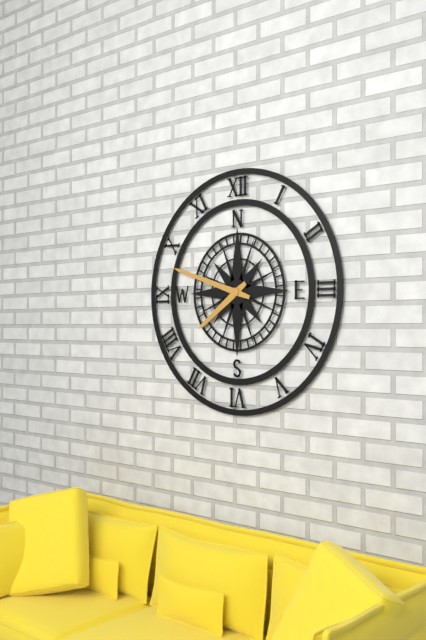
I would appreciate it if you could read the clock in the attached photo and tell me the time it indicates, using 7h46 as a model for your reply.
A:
7h48
